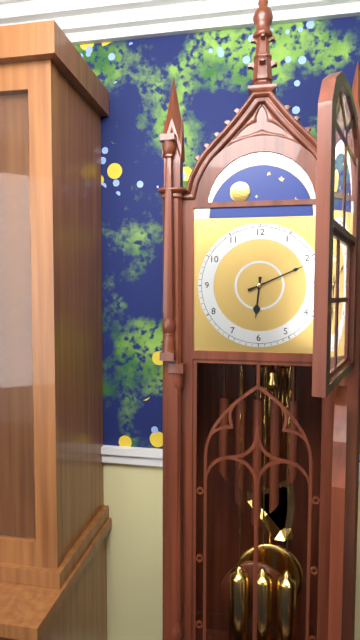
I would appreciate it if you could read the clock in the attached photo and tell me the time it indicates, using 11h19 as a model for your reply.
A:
6h11
